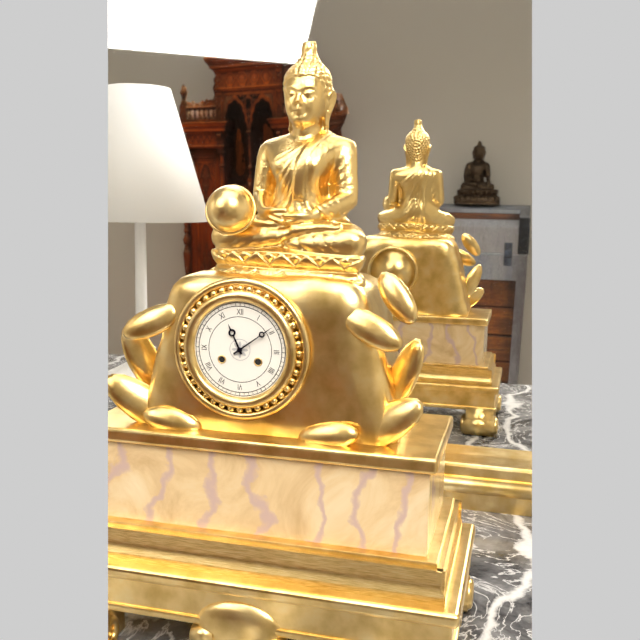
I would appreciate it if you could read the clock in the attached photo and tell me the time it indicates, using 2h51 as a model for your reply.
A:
11h09
